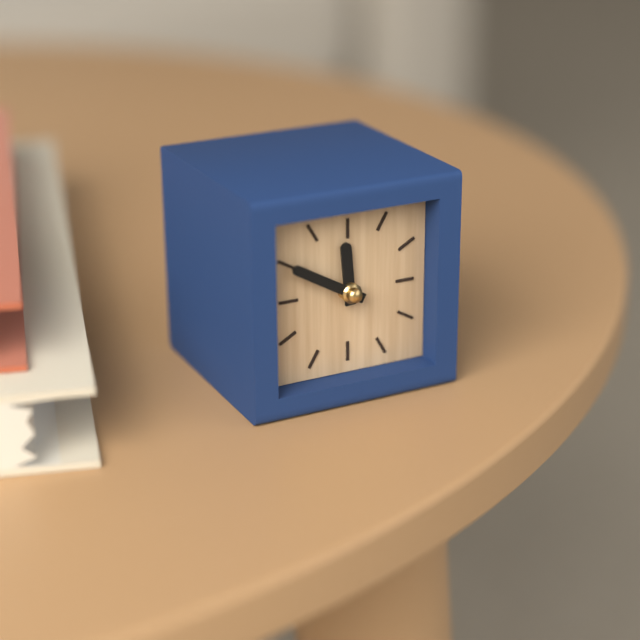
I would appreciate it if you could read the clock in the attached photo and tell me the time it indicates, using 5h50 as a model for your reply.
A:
11h50
